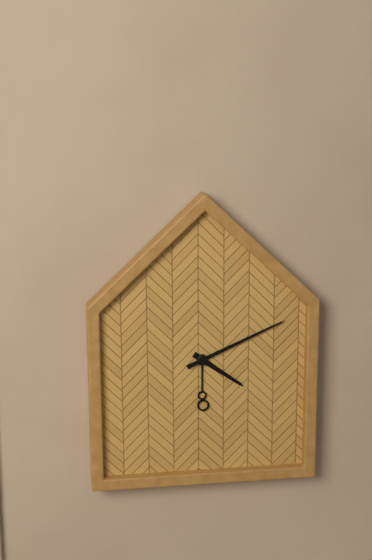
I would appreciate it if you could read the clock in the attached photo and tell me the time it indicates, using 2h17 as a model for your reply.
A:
4h11
